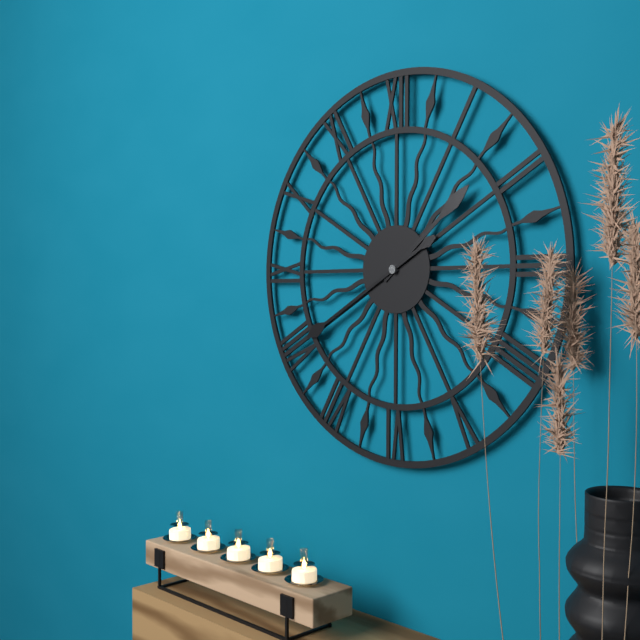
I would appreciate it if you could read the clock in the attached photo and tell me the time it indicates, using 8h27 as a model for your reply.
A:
1h40
